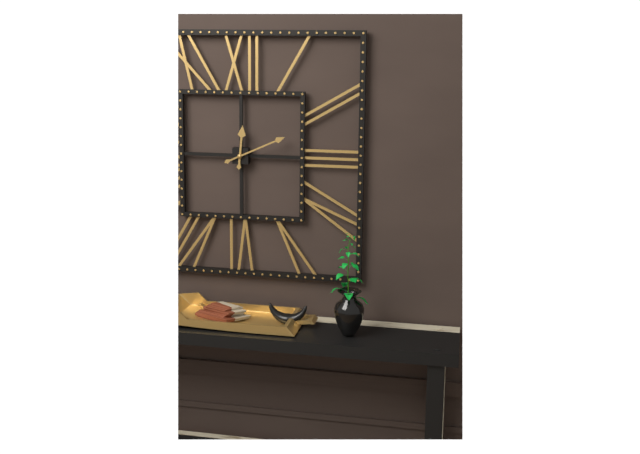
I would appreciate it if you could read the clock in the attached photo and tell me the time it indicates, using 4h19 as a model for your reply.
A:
12h11
